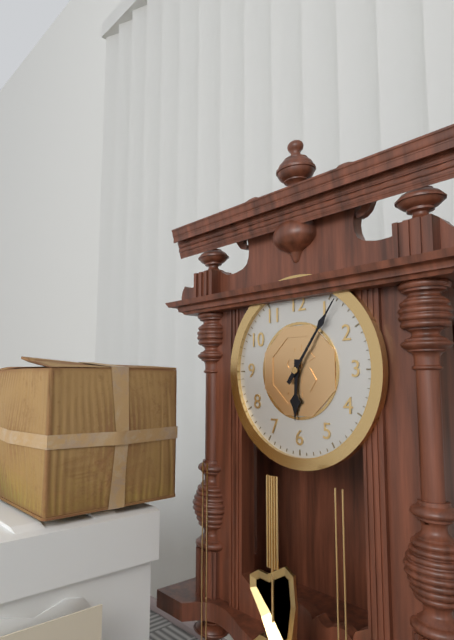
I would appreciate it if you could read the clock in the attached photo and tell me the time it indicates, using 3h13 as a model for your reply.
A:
6h06
